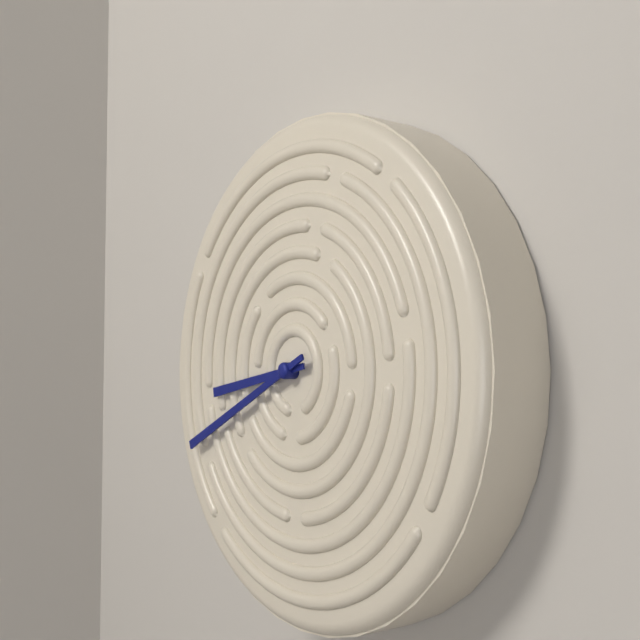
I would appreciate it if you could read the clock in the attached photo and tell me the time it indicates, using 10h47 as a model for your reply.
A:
8h41
